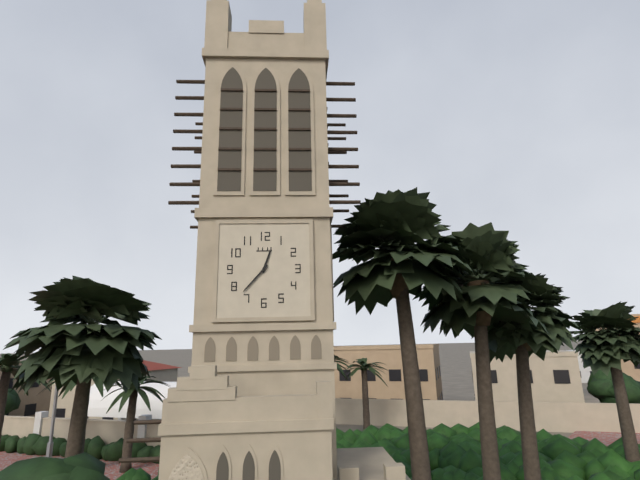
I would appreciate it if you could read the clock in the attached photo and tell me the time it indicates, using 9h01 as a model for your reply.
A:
12h37
